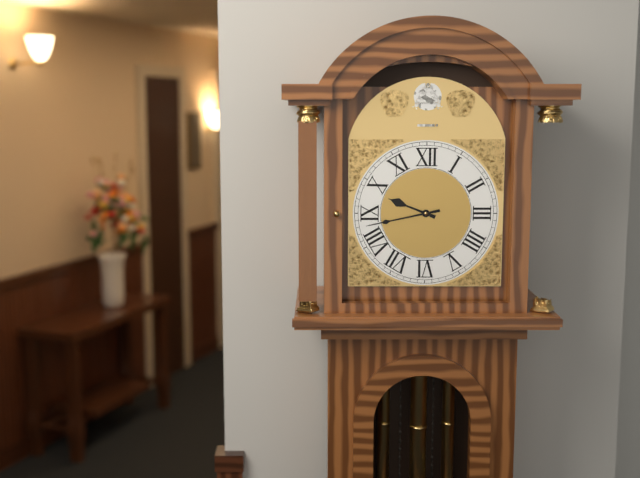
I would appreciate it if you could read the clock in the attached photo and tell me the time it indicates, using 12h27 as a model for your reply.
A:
9h43
